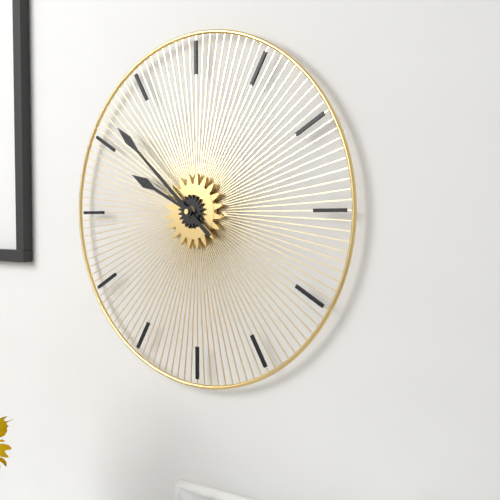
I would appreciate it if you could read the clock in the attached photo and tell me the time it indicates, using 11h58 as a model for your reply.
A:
9h52
